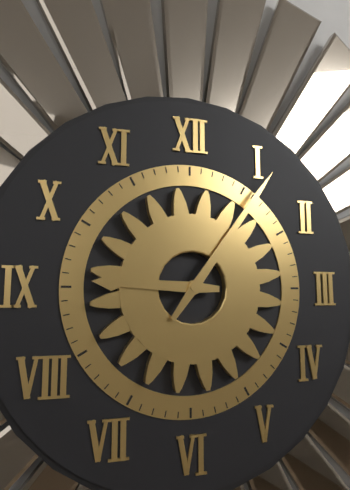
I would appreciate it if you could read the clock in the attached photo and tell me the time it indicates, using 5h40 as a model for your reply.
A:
9h06
